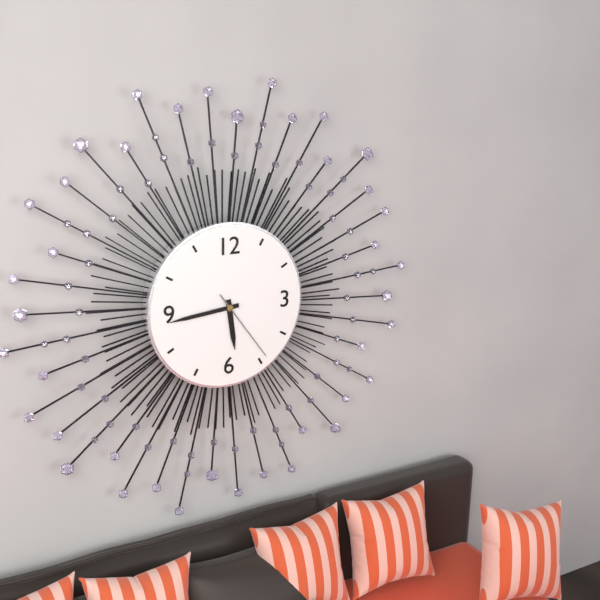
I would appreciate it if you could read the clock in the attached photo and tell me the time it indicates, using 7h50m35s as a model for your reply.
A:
5h44m24s
